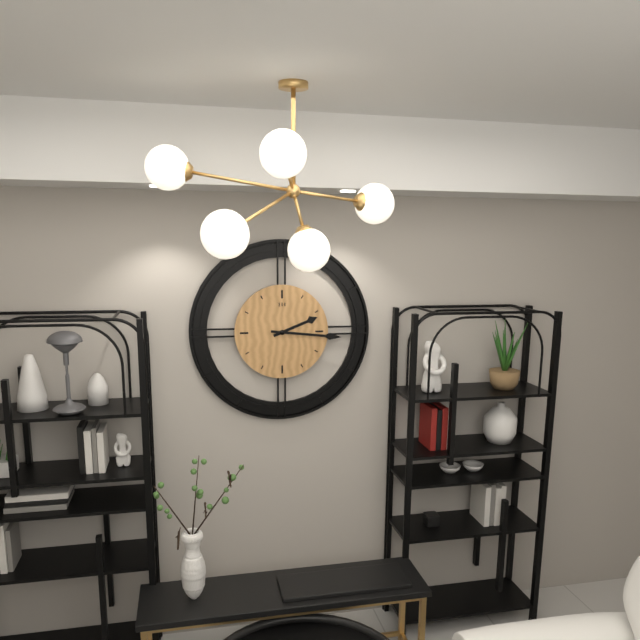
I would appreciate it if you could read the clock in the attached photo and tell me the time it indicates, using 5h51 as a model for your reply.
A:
2h16
